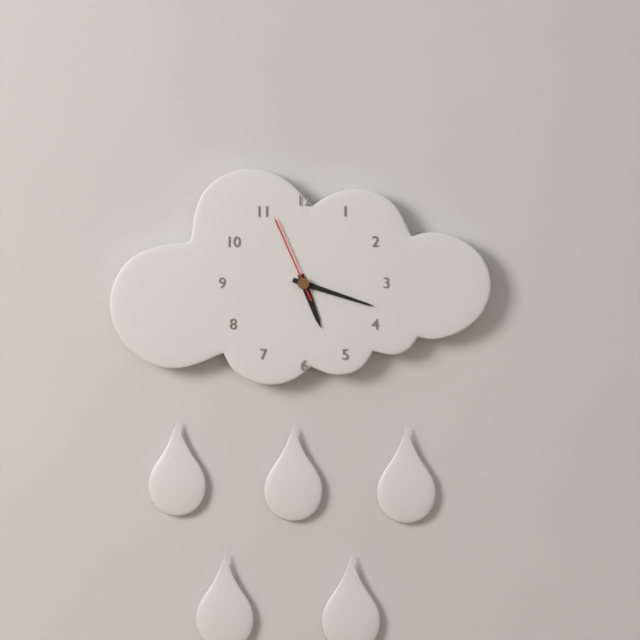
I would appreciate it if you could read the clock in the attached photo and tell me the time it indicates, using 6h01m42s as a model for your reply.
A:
5h18m56s
